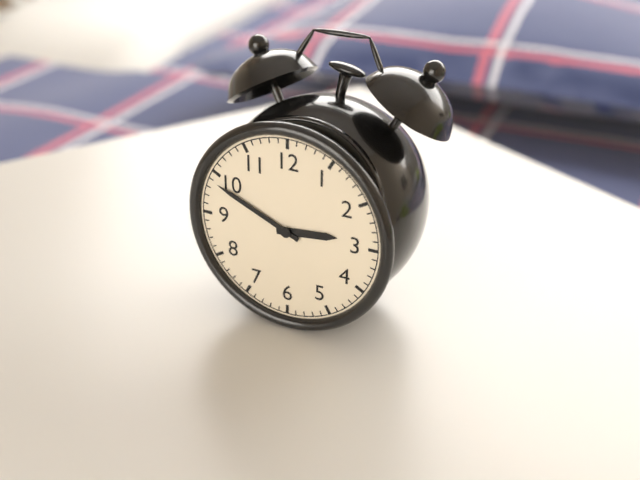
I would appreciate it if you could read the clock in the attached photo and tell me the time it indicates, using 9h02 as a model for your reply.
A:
2h49
